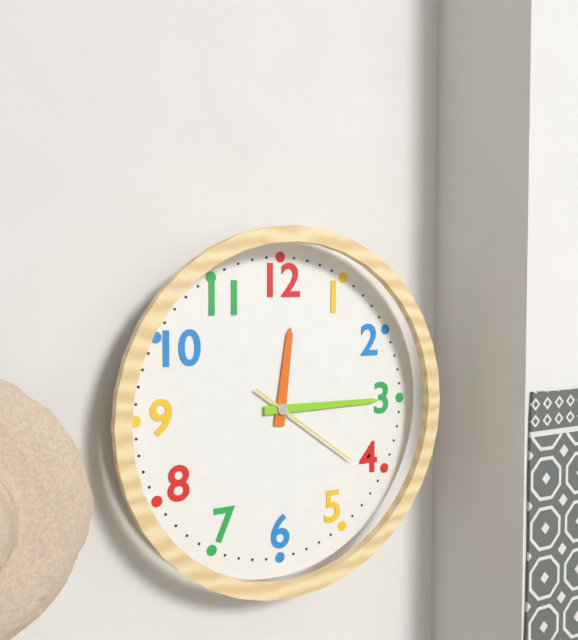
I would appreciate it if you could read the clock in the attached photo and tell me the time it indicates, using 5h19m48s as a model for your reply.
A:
12h15m21s
